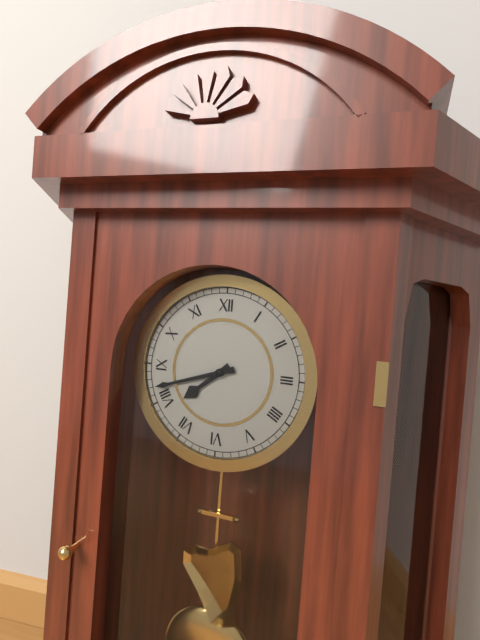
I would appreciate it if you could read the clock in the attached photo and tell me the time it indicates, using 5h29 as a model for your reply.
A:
7h42
